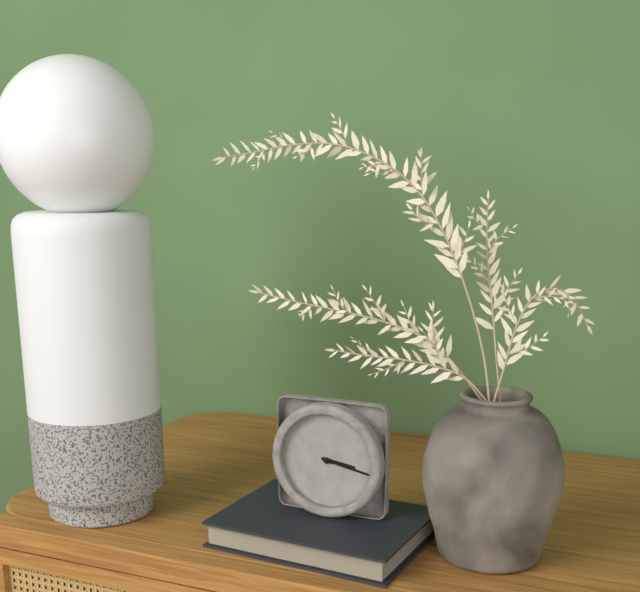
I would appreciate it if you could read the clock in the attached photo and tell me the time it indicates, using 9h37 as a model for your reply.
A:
3h17
